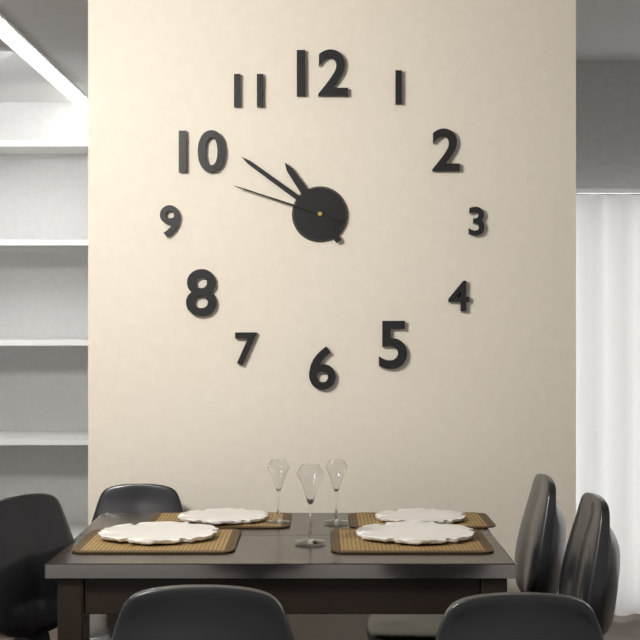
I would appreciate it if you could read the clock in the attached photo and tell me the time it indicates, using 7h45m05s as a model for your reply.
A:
10h51m48s
